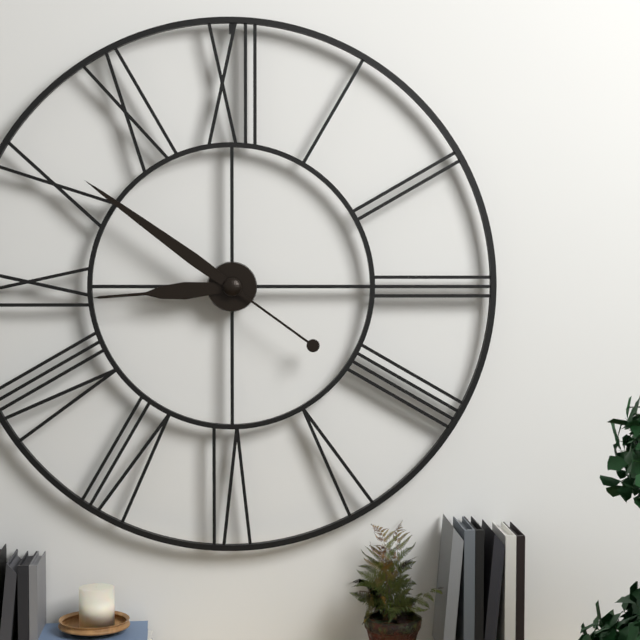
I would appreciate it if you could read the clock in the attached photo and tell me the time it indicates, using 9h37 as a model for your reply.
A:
8h51
